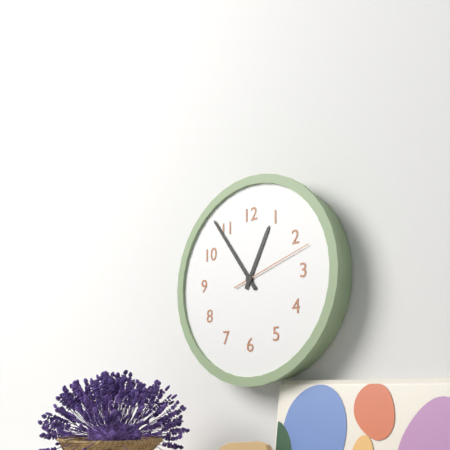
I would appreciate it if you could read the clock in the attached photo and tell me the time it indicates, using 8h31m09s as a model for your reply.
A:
12h54m12s
